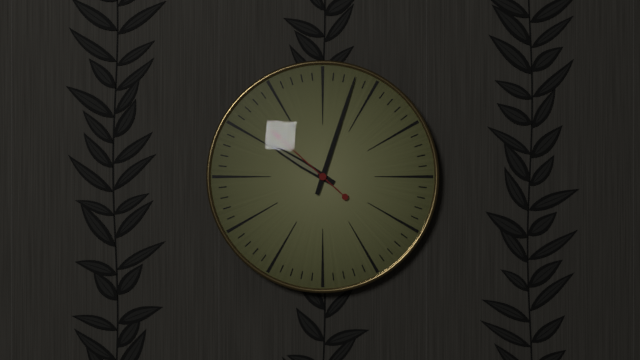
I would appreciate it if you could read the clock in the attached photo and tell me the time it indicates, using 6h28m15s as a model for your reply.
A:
10h03m52s
